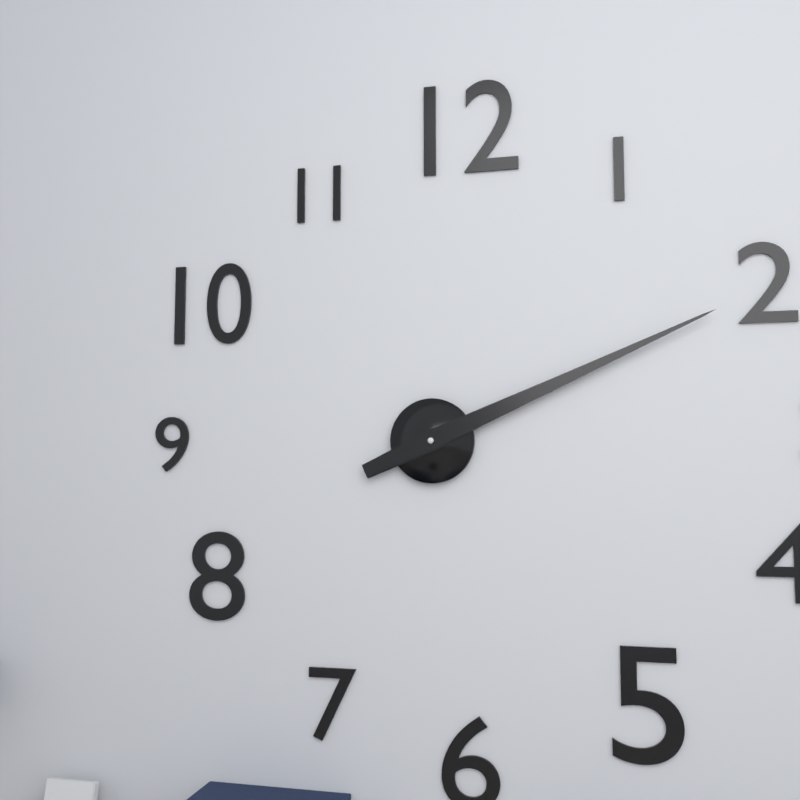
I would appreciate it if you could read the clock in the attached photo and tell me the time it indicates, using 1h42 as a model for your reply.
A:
2h11
